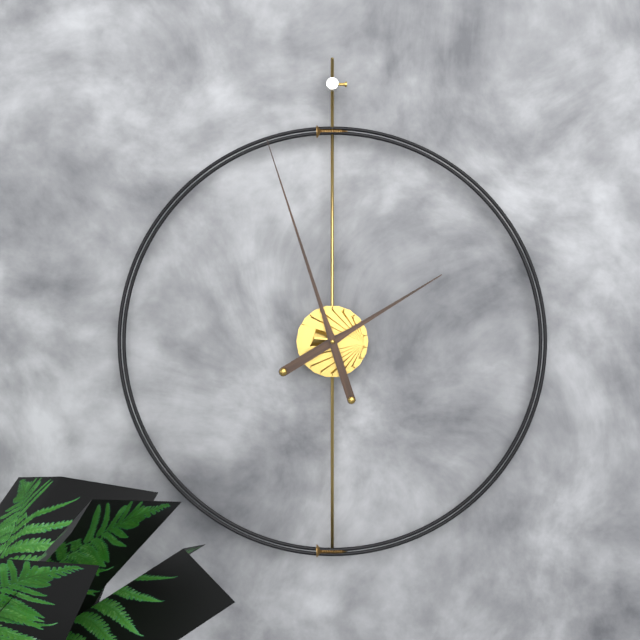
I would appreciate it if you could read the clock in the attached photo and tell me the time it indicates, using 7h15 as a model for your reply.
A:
1h57
